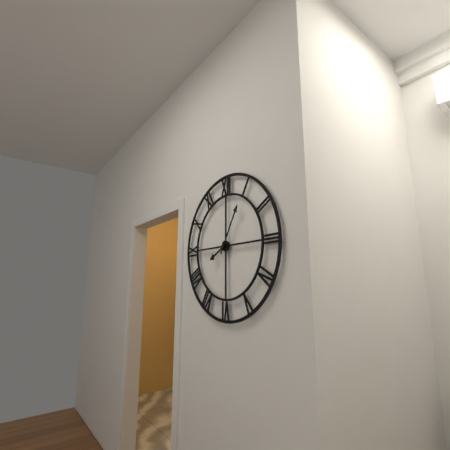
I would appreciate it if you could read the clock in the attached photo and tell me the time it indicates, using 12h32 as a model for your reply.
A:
8h05
